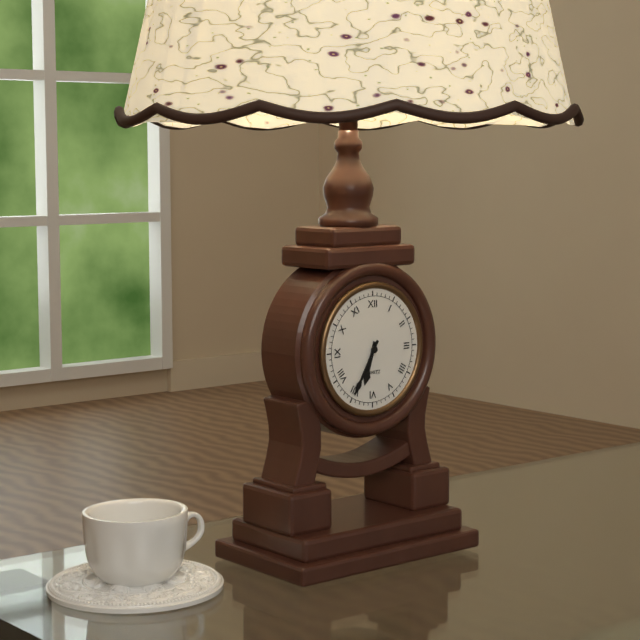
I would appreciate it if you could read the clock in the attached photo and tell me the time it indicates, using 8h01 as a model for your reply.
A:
6h35
